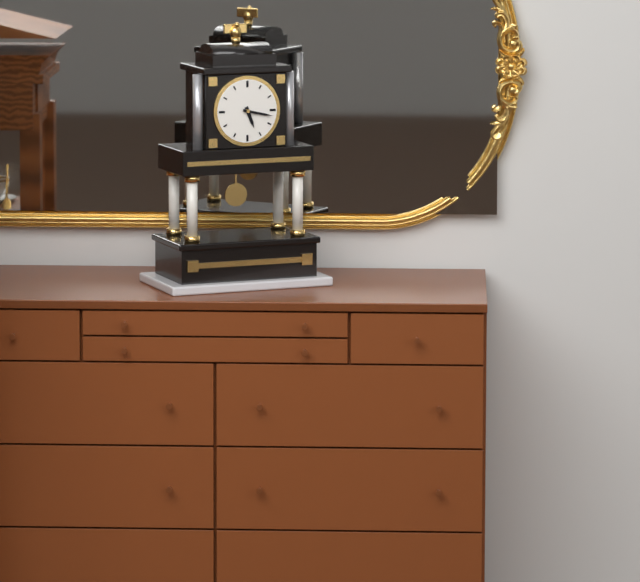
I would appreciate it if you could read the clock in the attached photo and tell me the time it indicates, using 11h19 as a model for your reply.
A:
5h17
